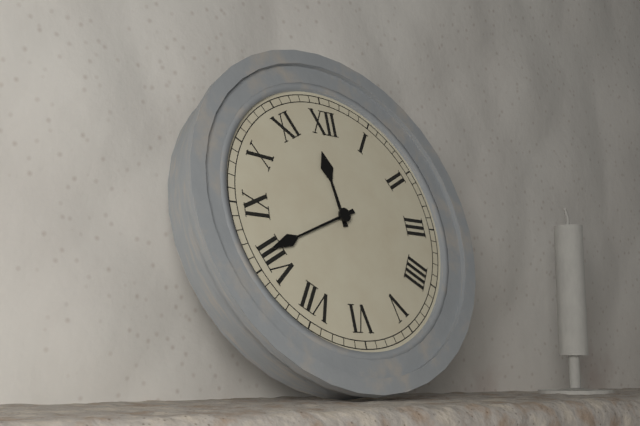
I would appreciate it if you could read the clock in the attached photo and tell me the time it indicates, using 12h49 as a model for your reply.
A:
11h41
